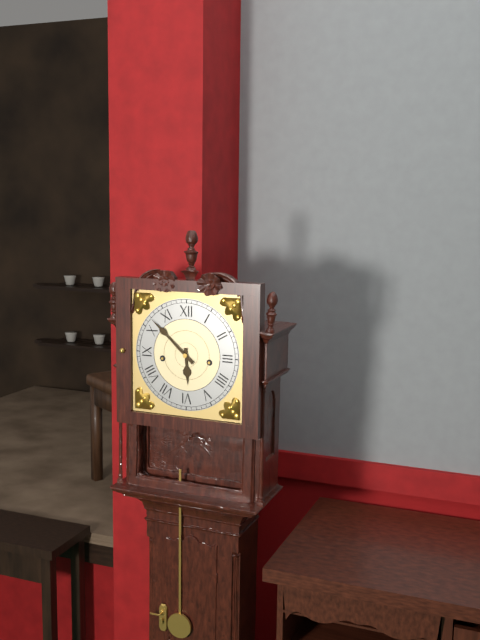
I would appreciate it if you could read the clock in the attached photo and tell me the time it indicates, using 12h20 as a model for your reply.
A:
5h52
